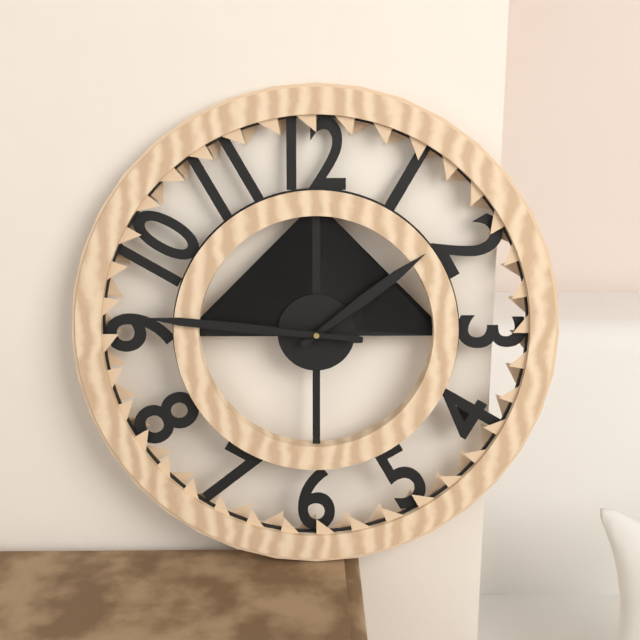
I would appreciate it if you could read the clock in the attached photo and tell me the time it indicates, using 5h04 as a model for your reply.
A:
1h46
